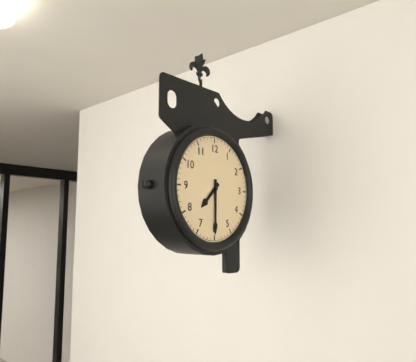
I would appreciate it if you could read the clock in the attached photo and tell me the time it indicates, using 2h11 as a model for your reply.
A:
7h30
